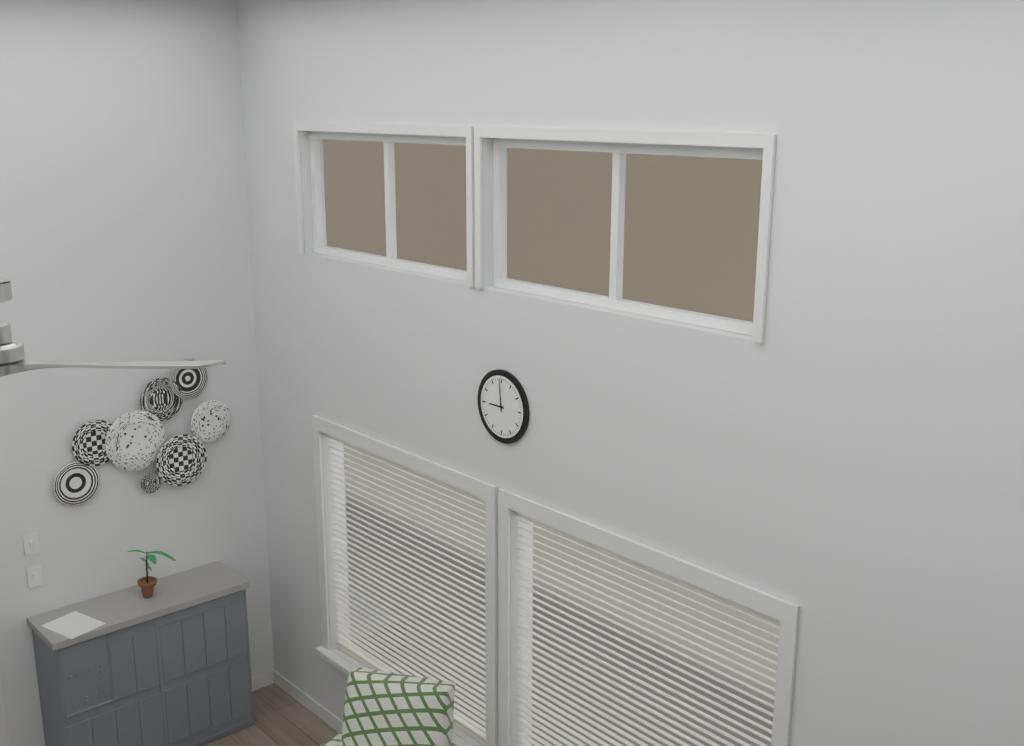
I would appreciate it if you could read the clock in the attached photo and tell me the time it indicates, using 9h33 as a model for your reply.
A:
8h59
